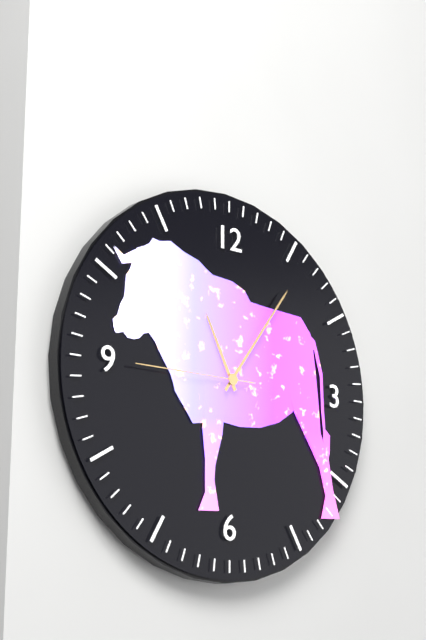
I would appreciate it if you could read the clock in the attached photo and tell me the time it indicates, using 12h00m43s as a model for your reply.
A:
11h06m45s
